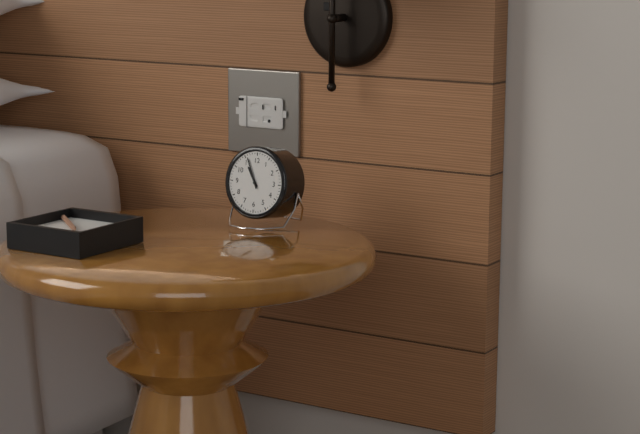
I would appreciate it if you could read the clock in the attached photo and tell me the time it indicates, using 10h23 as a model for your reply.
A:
10h56
